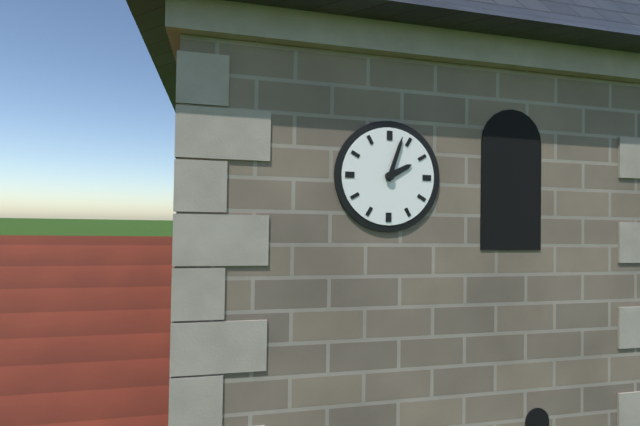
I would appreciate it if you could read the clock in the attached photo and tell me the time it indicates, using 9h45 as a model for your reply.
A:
2h03
